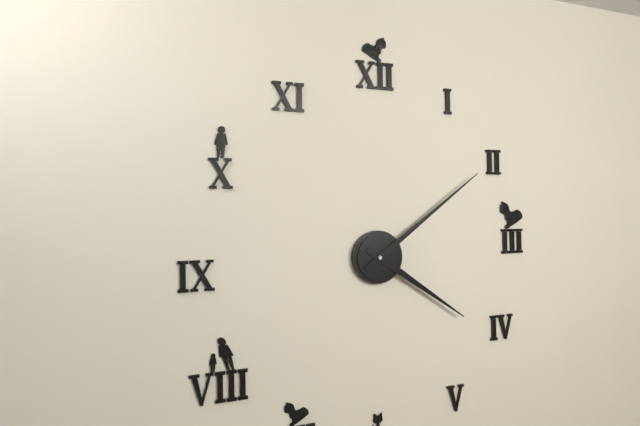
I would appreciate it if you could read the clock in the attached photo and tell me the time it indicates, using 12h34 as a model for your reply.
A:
4h09
